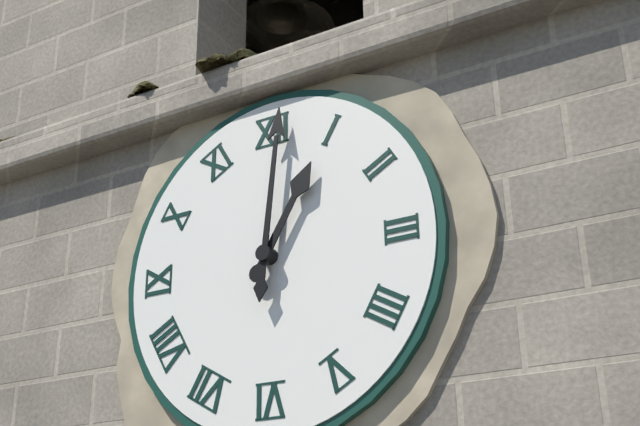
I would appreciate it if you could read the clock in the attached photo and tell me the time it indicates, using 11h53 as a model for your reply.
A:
1h01
